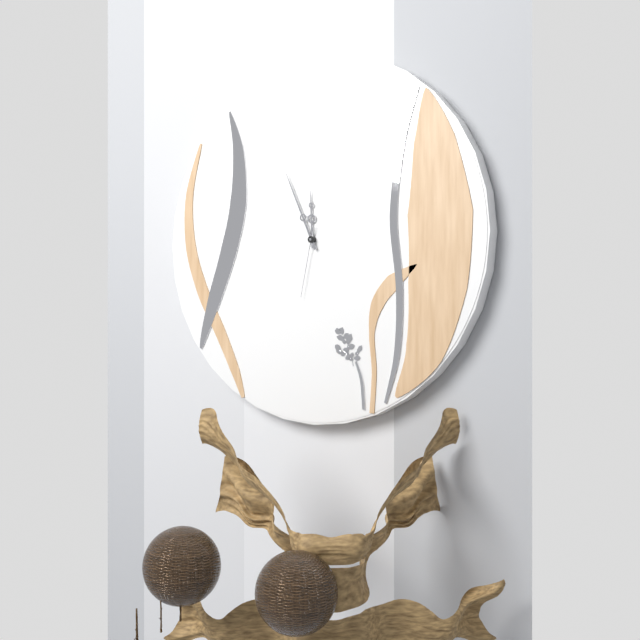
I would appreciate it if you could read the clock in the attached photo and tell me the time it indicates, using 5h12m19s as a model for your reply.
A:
11h56m32s
